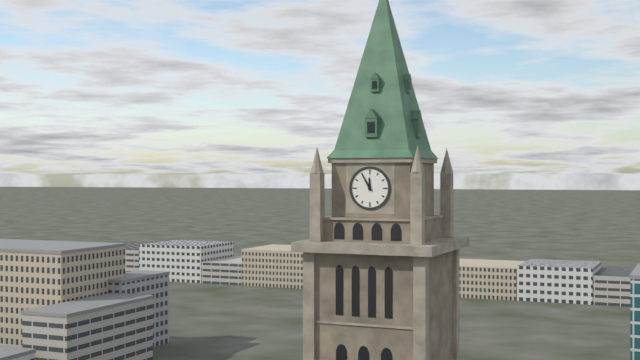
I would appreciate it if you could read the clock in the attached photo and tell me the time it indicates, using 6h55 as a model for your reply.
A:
11h55
